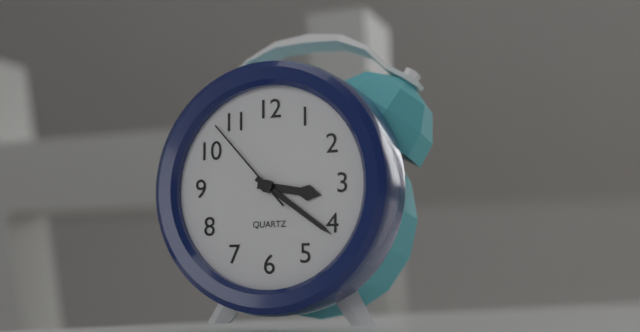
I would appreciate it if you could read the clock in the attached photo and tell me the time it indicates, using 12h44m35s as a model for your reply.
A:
3h21m53s
